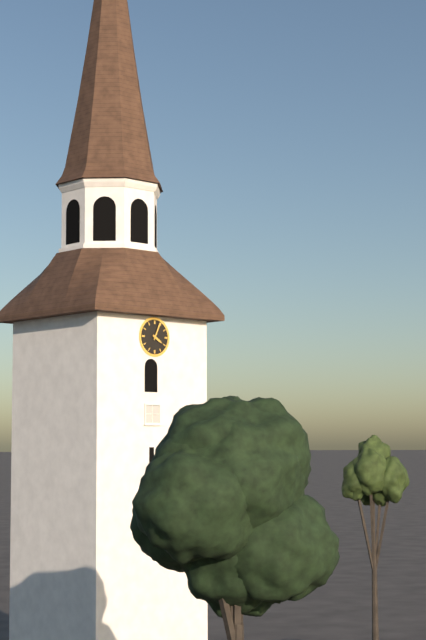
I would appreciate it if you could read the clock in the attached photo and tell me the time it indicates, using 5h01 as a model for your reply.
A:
4h04
